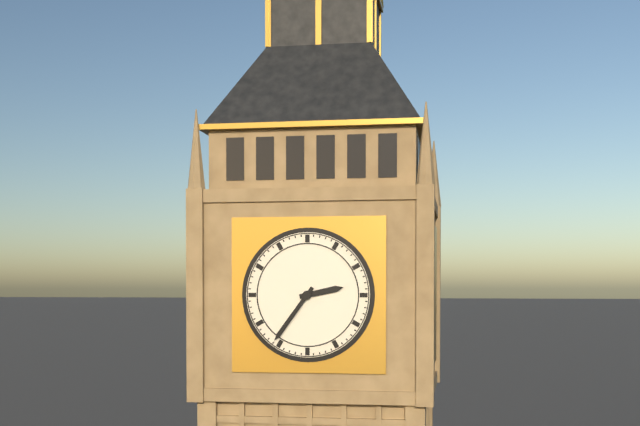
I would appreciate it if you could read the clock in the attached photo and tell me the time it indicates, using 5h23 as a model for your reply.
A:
2h36
